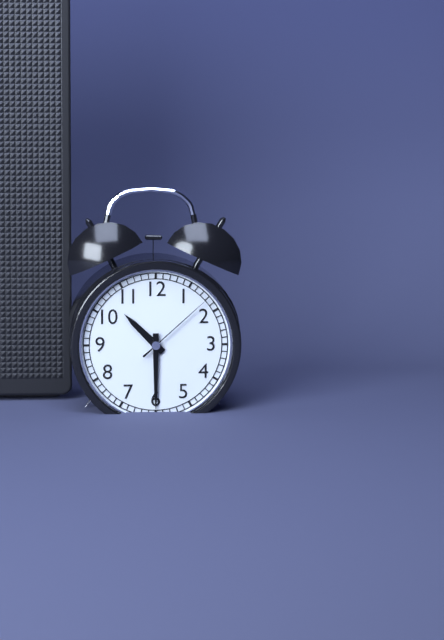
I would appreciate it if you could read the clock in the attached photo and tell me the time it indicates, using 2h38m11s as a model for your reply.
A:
10h30m08s
